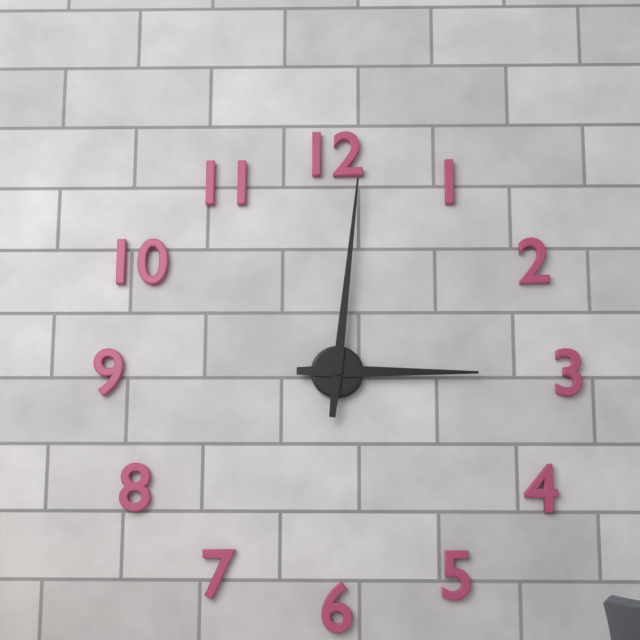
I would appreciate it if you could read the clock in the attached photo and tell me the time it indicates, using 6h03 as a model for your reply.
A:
3h01
